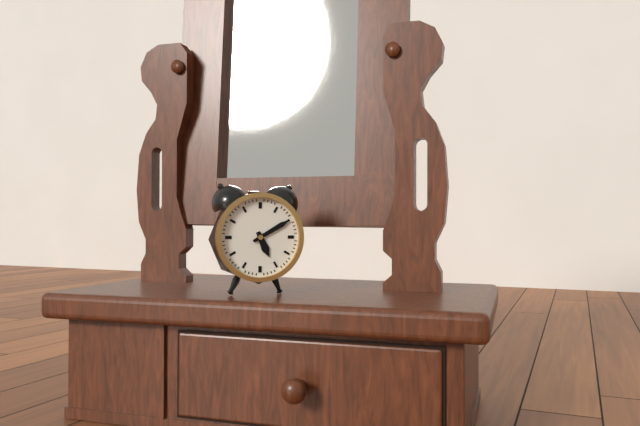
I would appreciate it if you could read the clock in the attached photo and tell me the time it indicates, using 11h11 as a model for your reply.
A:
5h10
